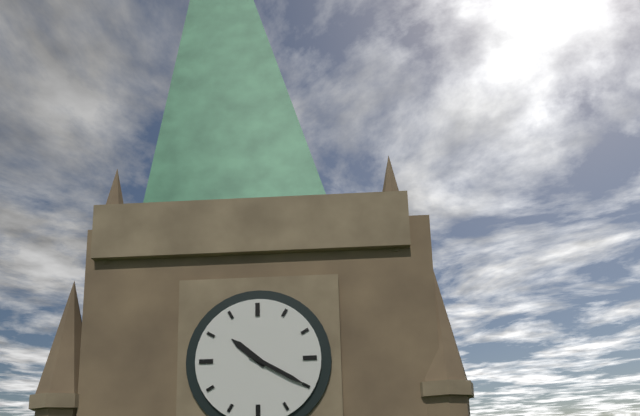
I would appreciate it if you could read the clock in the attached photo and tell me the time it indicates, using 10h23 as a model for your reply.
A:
10h20
